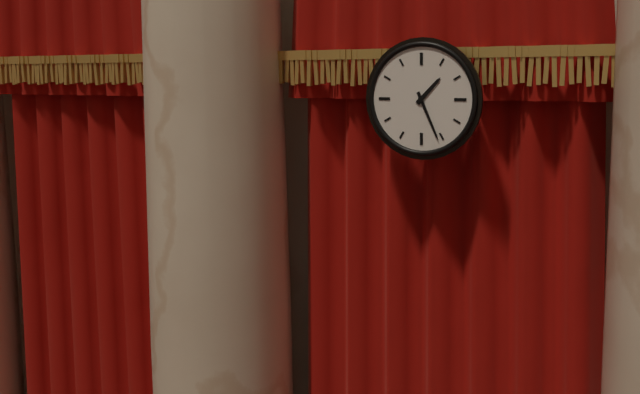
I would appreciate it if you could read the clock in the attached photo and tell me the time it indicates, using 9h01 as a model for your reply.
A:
1h26
